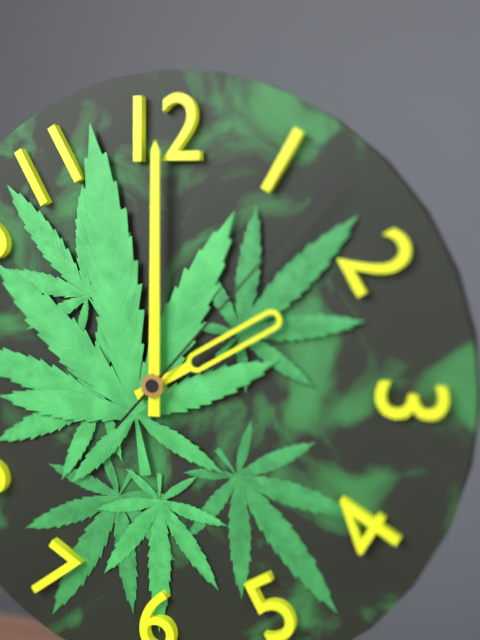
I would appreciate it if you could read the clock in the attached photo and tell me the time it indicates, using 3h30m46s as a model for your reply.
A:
2h00m07s
